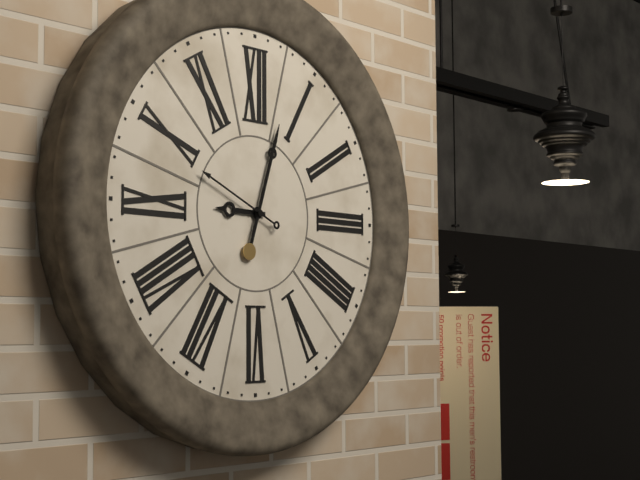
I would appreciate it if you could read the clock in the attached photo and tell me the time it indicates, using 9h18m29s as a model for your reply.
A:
9h03m49s
